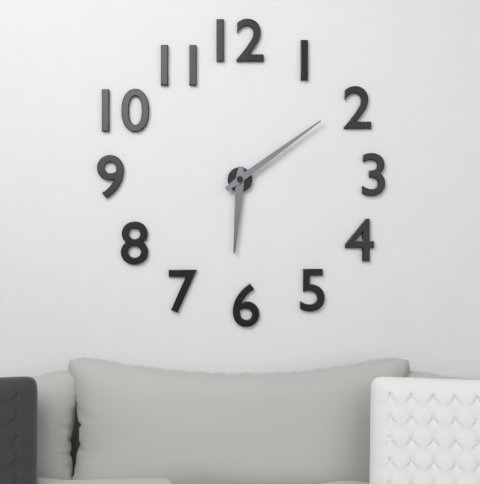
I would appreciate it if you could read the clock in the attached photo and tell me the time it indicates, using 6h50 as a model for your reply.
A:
6h09
